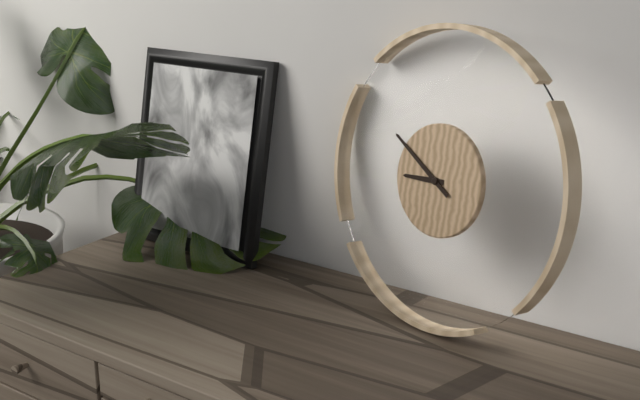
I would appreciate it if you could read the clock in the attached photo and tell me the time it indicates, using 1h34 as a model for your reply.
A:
8h50
